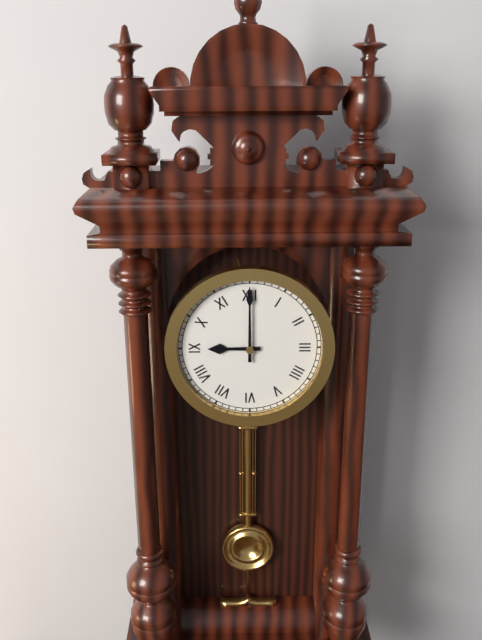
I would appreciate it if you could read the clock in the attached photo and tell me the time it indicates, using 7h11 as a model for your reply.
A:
9h00
